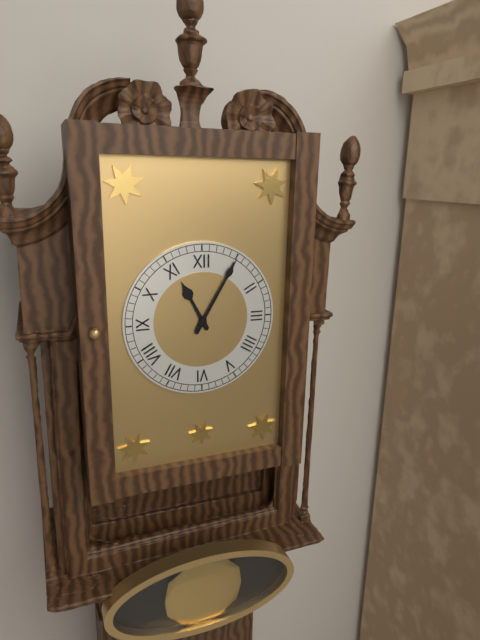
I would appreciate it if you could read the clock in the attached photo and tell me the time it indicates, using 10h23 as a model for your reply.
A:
11h05
